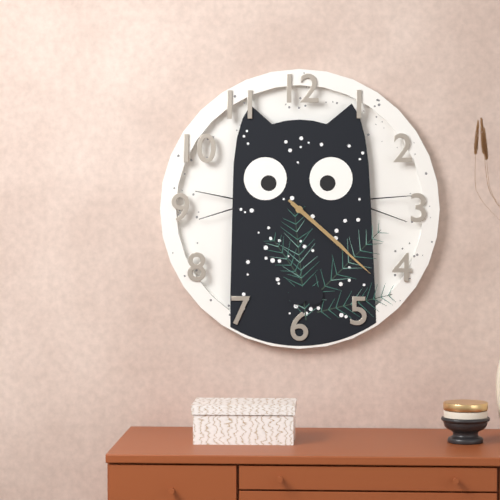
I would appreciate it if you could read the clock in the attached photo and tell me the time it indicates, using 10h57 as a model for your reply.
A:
4h22
